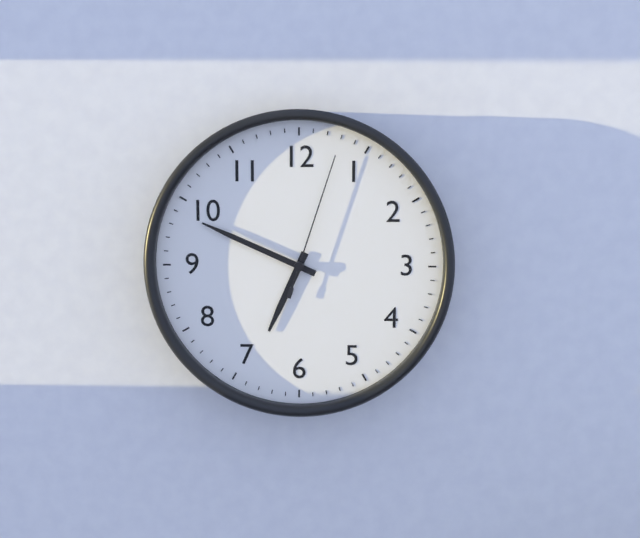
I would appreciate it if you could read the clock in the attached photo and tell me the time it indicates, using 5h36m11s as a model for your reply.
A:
6h49m03s
